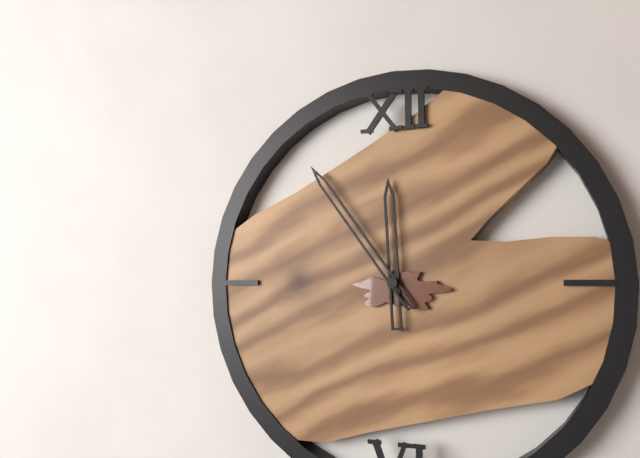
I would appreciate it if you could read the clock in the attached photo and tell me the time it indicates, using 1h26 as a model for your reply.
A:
11h54
